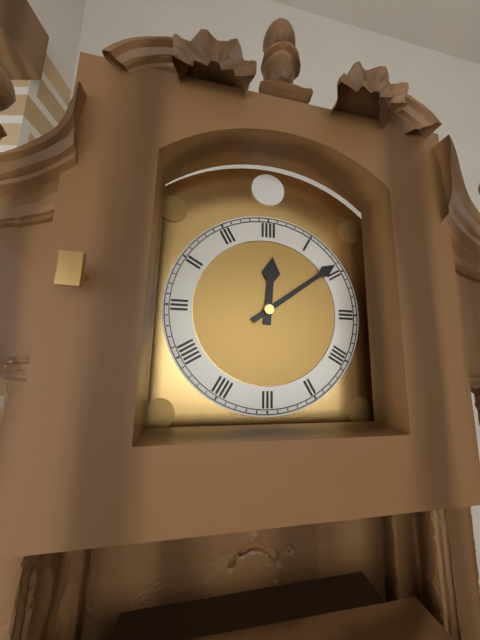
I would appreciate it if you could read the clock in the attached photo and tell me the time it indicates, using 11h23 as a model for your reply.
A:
12h09
